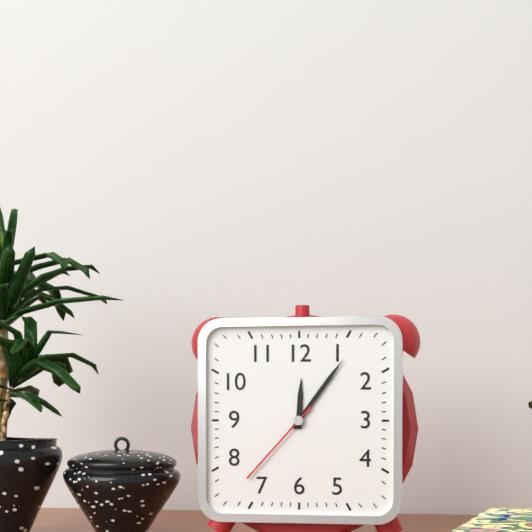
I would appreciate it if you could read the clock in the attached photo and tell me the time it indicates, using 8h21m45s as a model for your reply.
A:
12h06m37s
